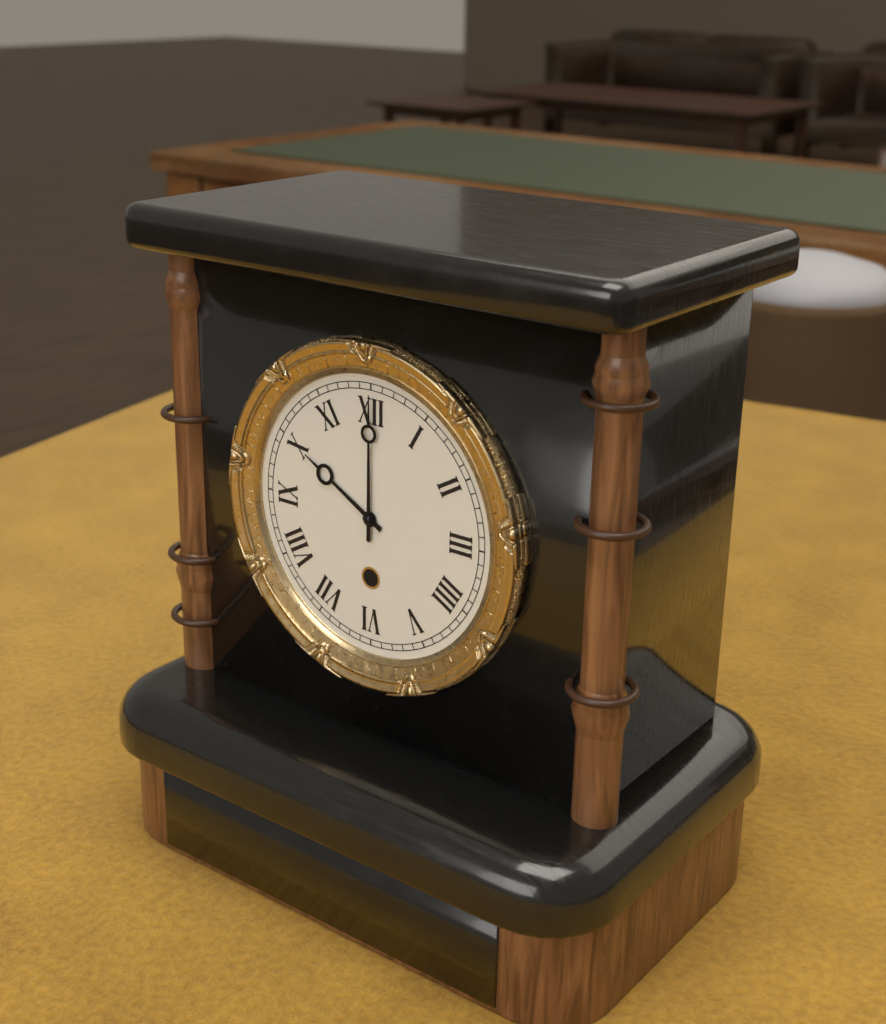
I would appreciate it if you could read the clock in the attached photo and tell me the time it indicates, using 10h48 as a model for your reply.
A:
10h00
